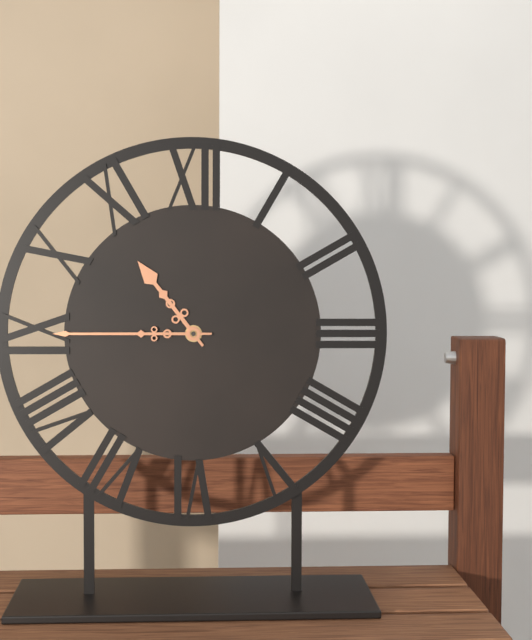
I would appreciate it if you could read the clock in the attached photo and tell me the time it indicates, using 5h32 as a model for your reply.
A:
10h45
